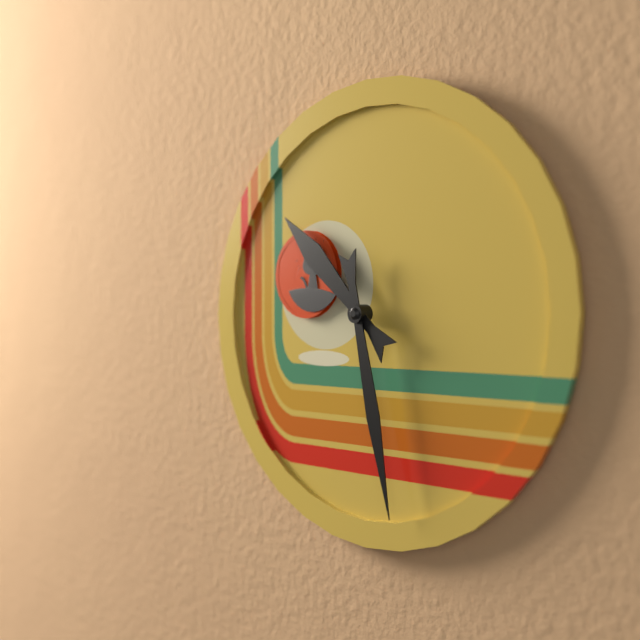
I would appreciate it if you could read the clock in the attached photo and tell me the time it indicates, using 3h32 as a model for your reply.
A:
10h28
